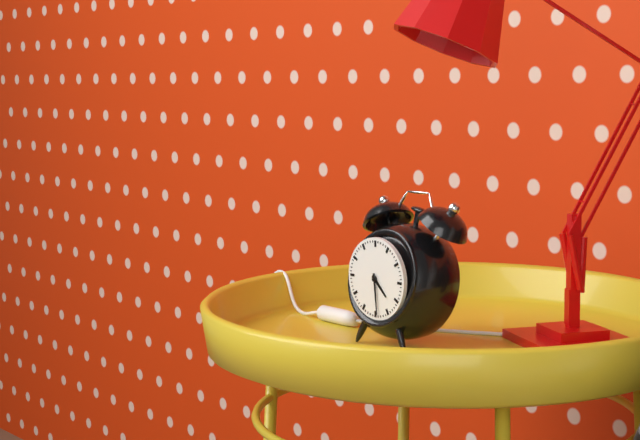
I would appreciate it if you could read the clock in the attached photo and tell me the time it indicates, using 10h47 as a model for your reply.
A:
4h29
